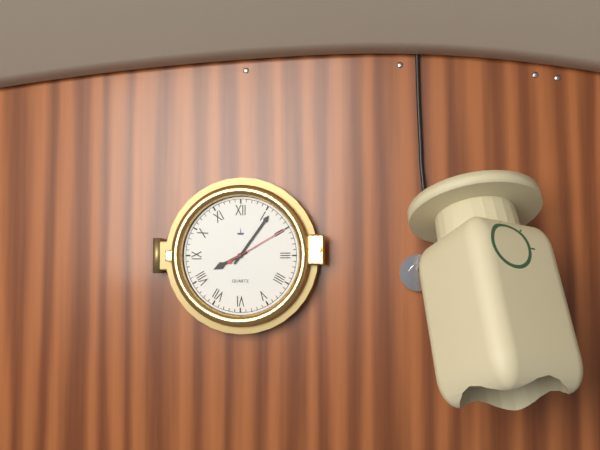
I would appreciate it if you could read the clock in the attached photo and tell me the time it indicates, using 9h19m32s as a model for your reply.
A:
8h06m10s
